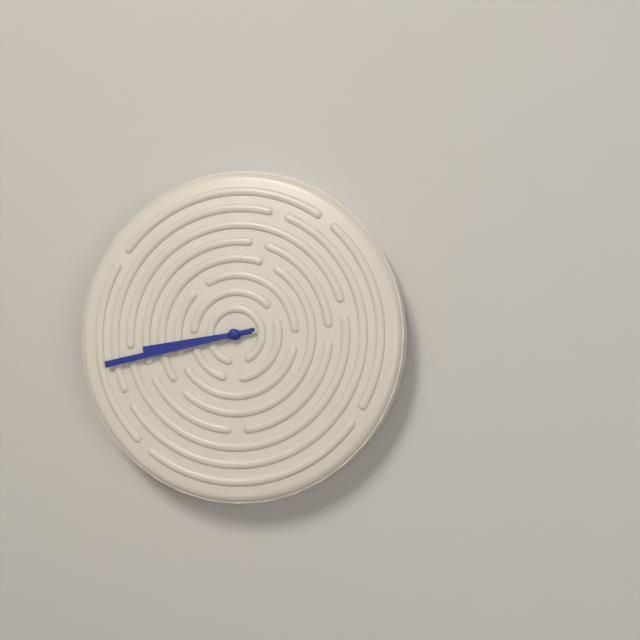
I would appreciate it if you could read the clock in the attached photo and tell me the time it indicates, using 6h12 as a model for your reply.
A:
8h43
